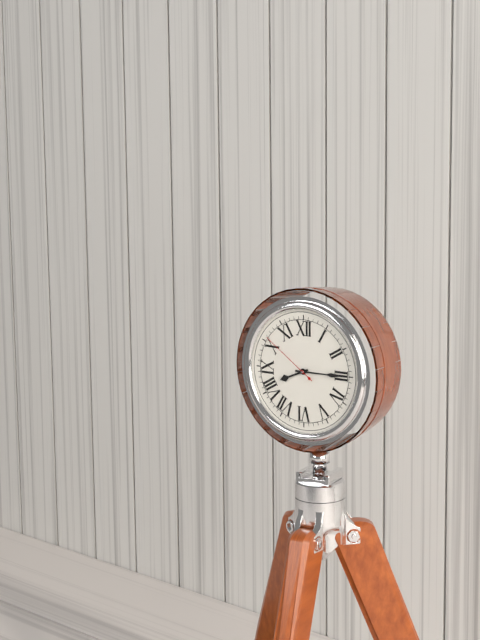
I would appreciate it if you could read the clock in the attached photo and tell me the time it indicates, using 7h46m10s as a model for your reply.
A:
8h15m51s
